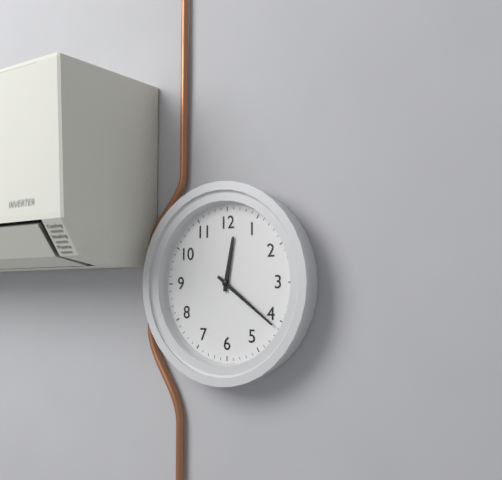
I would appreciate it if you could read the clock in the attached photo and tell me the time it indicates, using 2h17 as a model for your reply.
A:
12h21
